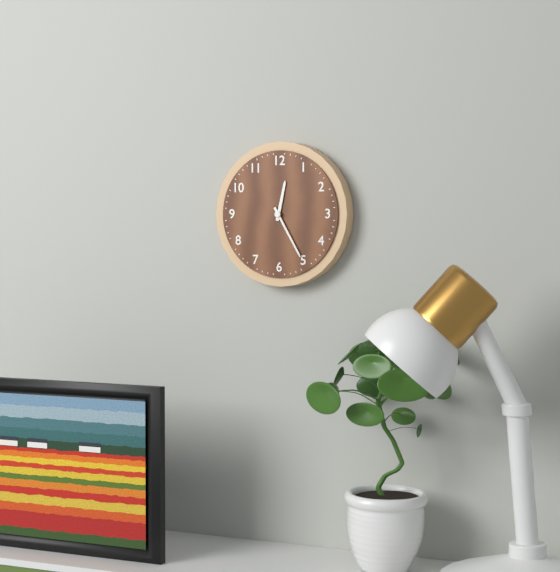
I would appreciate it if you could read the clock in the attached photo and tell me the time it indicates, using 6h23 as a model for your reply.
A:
12h25
